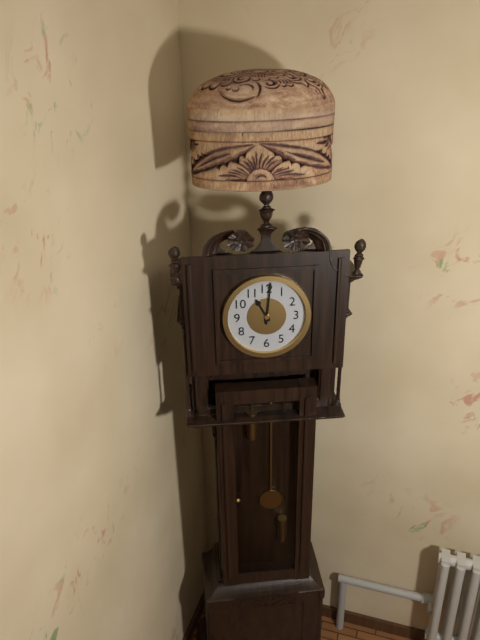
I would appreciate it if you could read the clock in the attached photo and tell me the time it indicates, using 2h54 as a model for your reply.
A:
11h01
